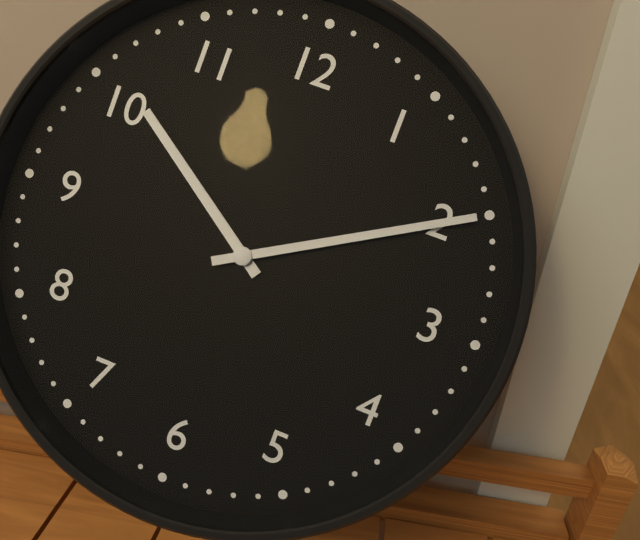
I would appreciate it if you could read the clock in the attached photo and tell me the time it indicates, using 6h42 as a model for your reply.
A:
10h10
